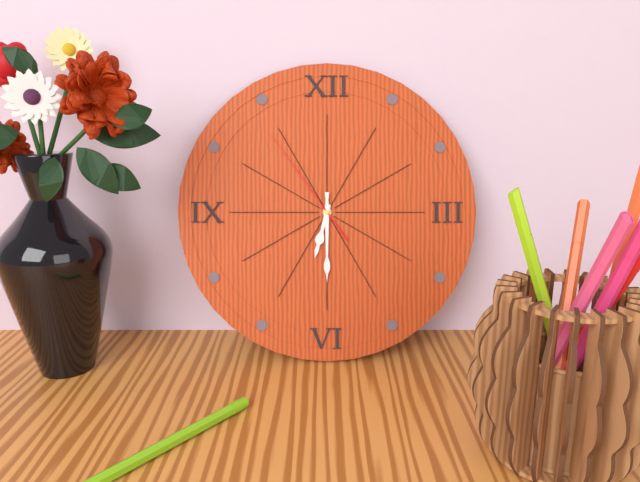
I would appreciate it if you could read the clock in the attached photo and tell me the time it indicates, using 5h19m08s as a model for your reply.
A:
6h30m54s
